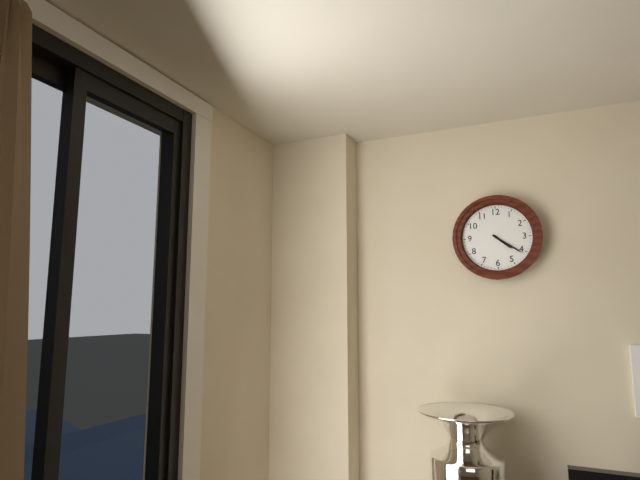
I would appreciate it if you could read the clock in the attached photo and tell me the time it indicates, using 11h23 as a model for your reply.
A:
4h21
